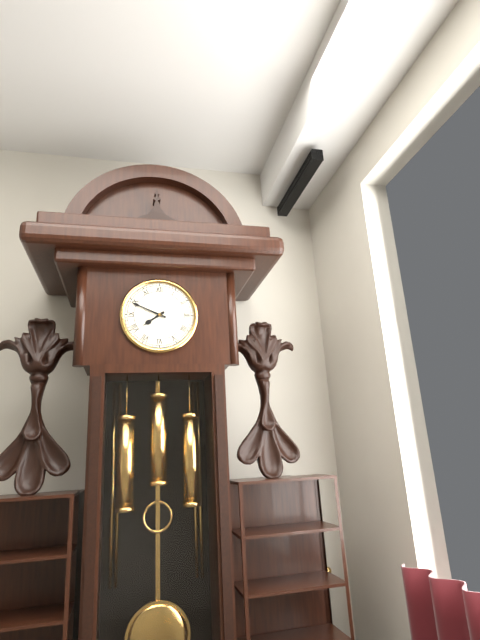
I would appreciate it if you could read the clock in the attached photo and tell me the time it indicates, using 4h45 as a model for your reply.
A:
7h49
